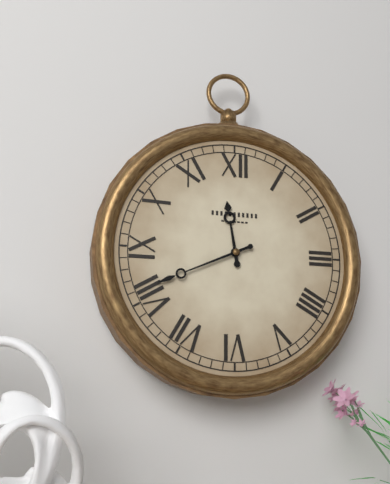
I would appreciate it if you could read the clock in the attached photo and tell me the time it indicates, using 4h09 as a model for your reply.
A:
11h41
